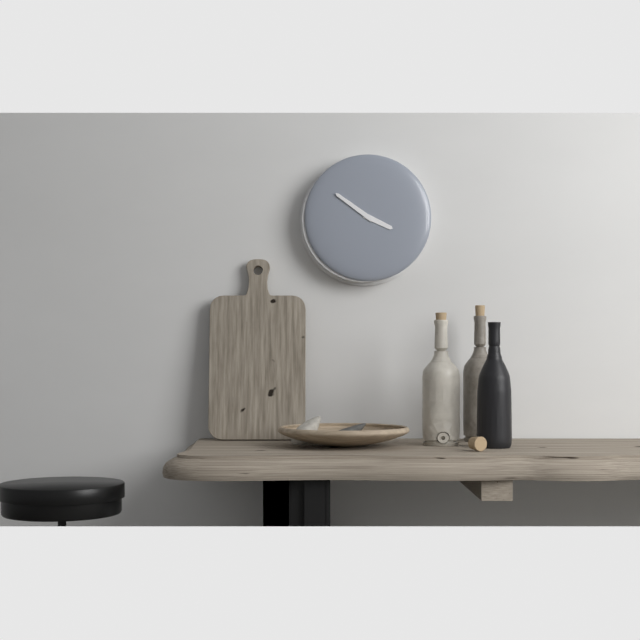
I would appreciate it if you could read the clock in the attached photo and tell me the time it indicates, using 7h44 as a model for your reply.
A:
3h51
